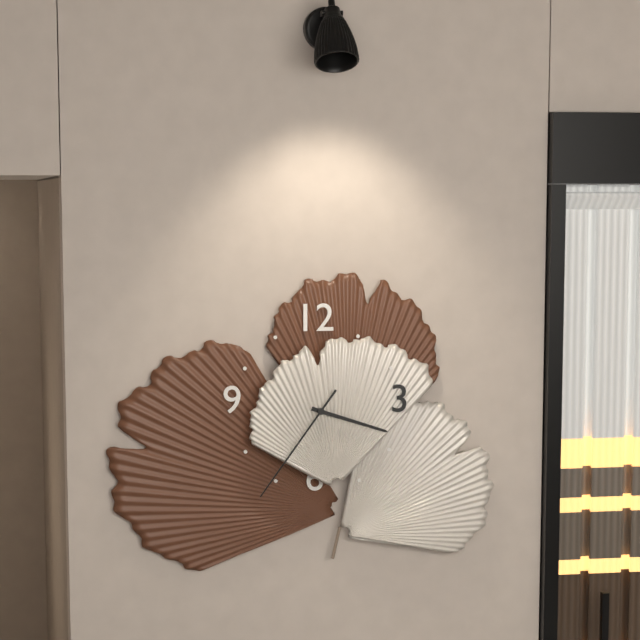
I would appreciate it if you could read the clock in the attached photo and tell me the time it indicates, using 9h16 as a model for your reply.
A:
3h36
